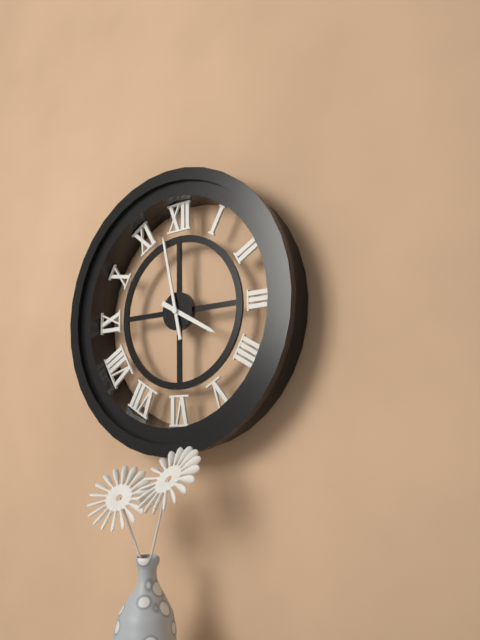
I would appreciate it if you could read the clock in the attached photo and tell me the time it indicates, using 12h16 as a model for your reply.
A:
3h58
